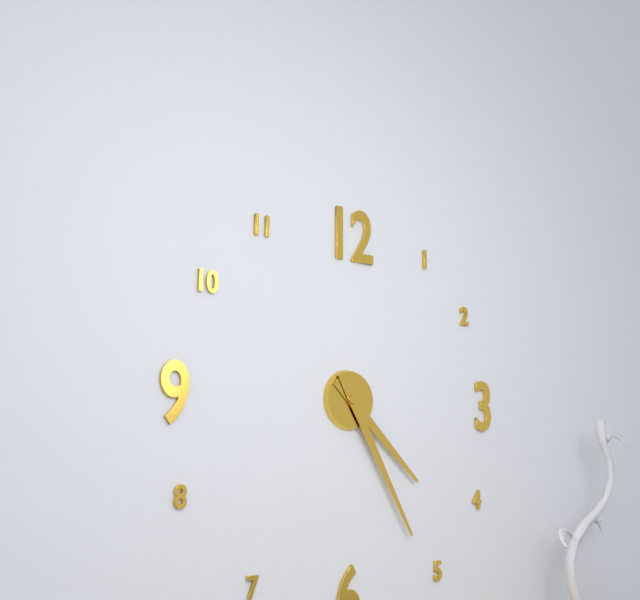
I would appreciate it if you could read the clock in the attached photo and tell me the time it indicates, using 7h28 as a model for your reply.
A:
4h25
